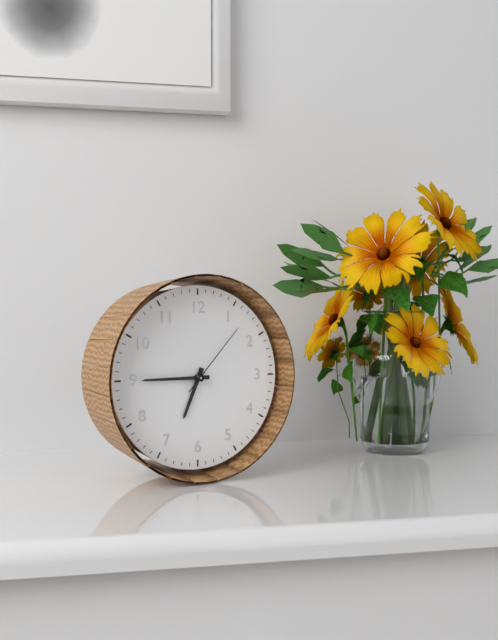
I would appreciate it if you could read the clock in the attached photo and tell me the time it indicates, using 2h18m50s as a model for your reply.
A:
6h45m07s
